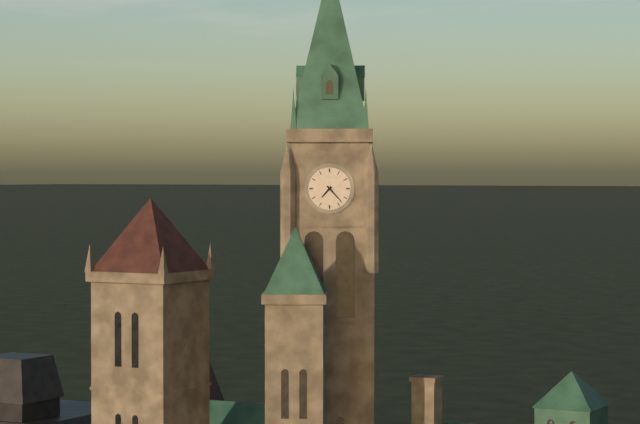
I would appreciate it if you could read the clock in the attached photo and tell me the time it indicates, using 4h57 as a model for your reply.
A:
7h23
